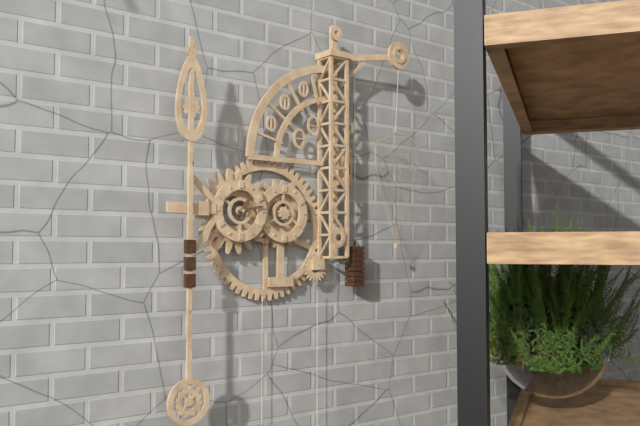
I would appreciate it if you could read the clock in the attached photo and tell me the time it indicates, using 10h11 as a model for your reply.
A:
1h13
